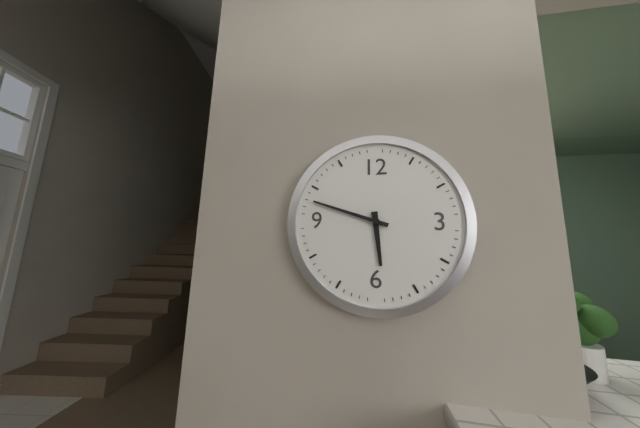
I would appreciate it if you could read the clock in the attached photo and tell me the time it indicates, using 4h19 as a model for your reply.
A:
5h48
